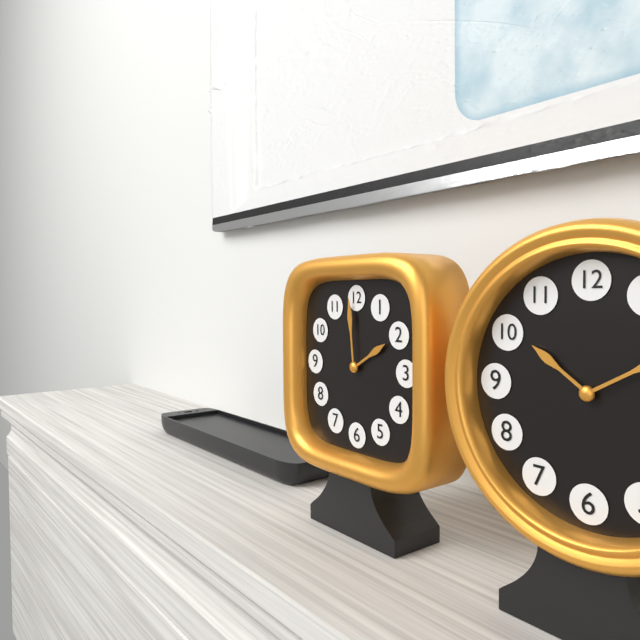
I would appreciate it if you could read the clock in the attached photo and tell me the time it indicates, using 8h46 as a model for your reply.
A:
1h59
